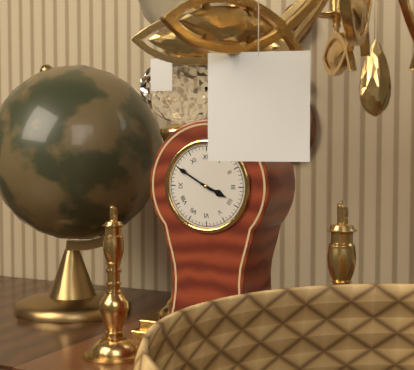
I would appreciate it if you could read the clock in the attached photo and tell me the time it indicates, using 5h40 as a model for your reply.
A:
3h50
